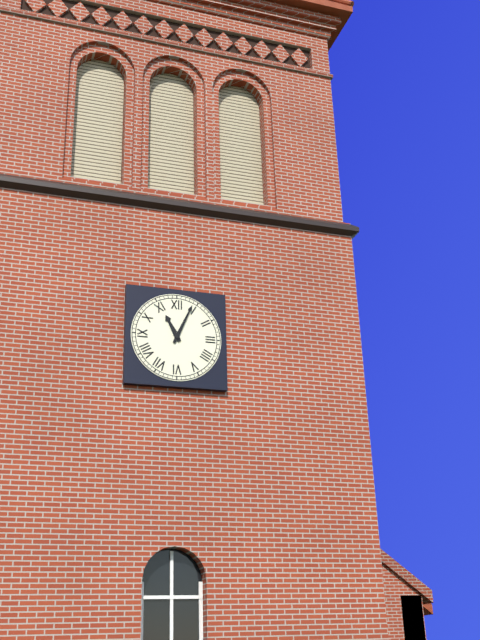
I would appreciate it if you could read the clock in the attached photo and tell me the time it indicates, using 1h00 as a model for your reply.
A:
11h04
